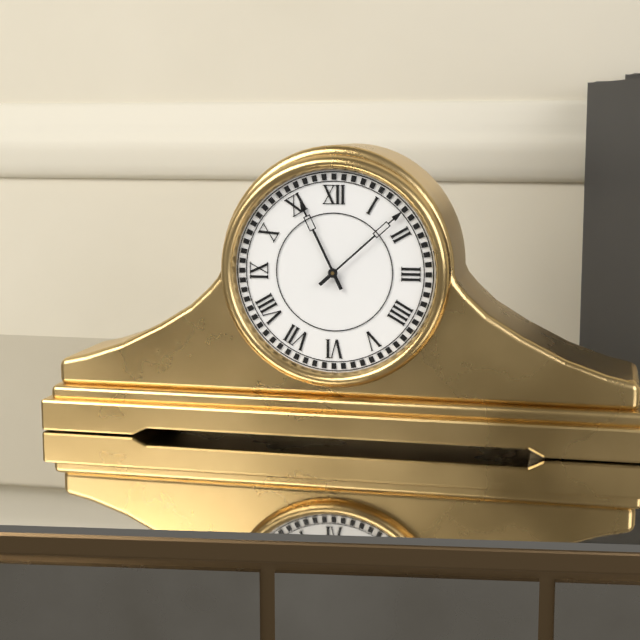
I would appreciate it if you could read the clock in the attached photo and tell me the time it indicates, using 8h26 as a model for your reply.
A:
11h08
